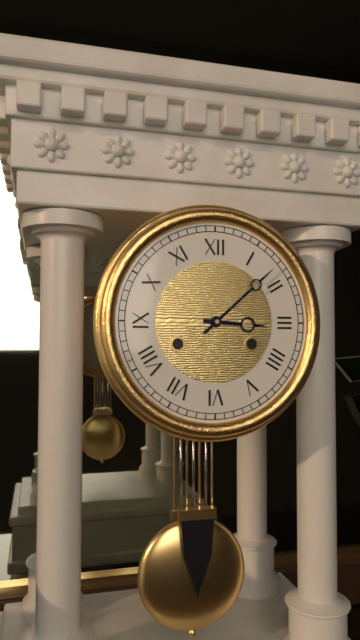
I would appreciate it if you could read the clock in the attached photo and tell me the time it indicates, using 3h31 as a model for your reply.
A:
3h08
